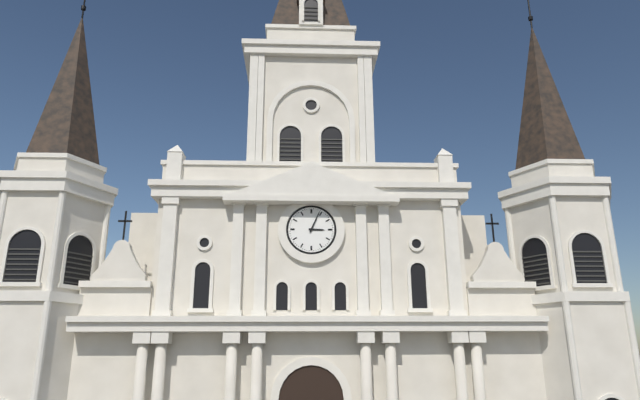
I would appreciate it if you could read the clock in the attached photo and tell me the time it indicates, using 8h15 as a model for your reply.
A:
3h04
